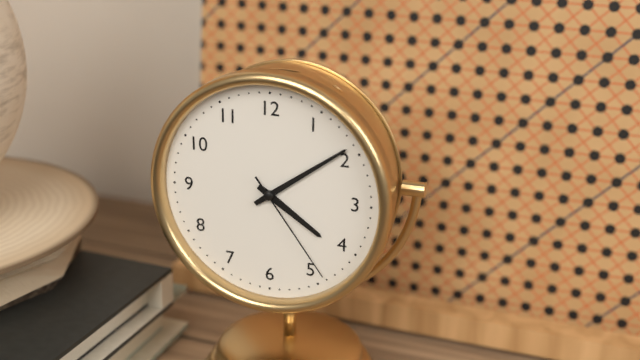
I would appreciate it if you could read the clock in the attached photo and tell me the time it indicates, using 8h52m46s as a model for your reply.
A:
4h09m24s
